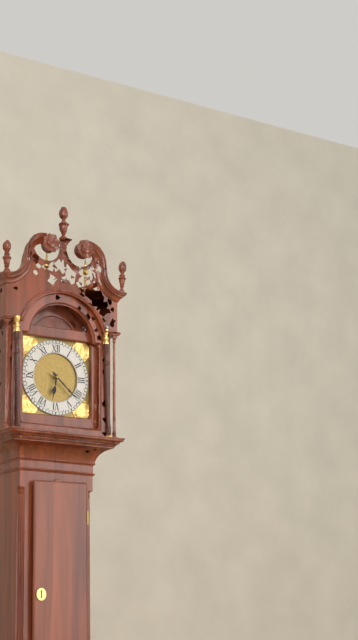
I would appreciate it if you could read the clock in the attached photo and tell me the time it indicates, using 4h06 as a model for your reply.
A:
6h22
